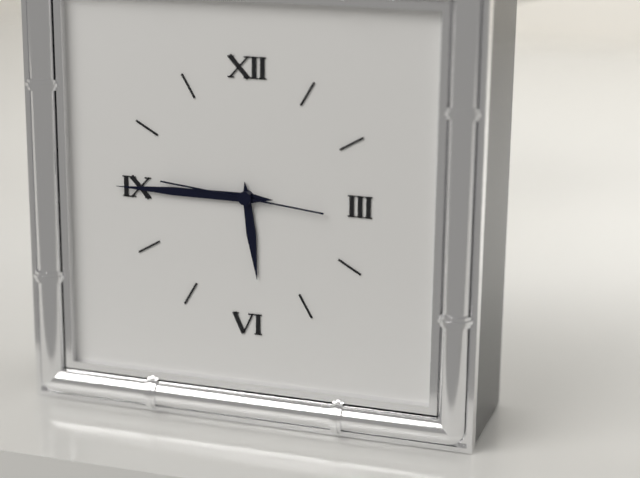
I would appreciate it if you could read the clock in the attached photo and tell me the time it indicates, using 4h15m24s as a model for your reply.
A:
5h45m46s
